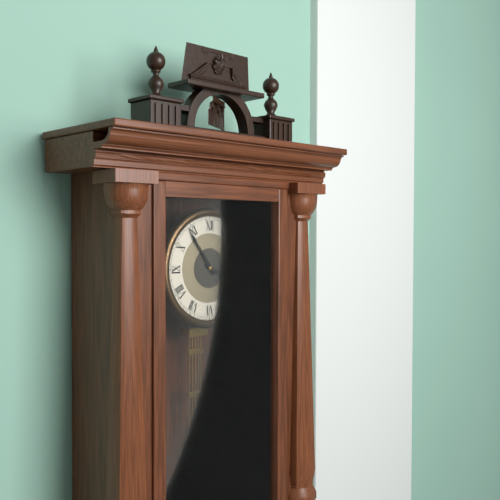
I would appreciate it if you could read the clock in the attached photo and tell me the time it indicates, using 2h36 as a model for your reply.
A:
3h54
